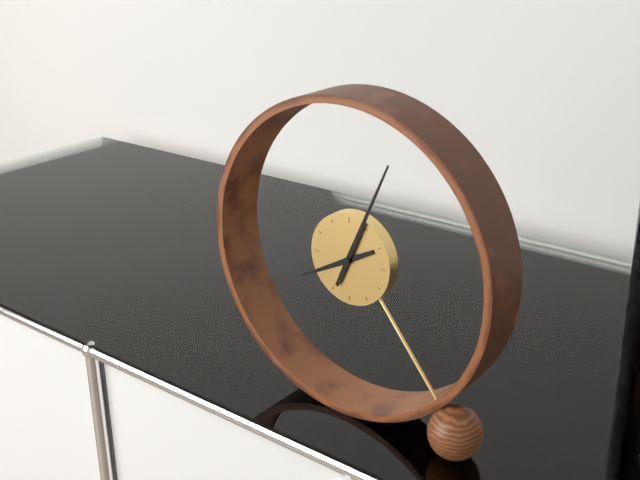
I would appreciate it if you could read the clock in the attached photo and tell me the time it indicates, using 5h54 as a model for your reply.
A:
8h04
